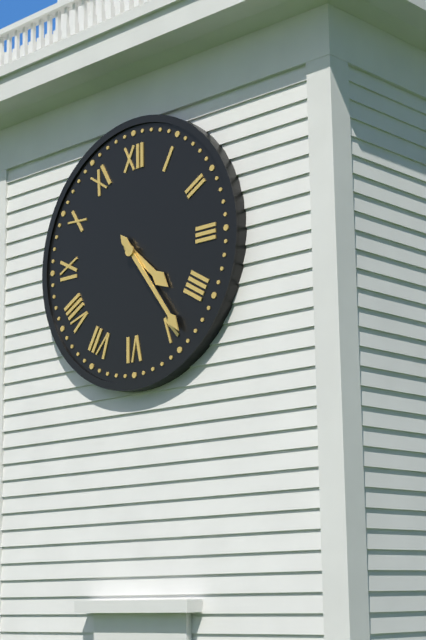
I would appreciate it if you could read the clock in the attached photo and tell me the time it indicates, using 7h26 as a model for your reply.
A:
4h24
